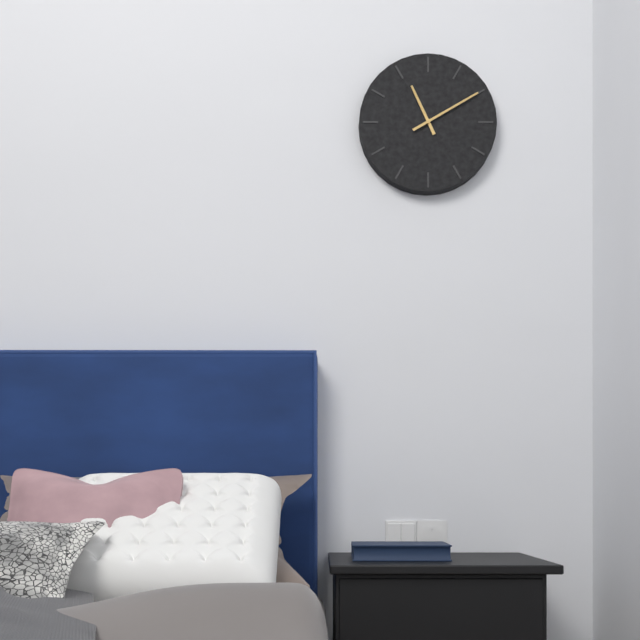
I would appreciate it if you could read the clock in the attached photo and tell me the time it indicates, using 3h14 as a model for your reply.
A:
11h10
